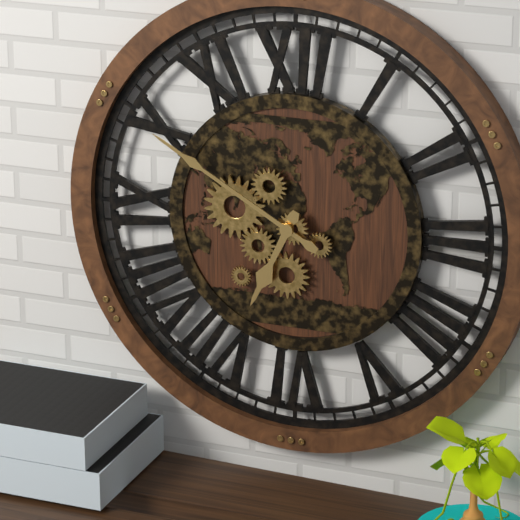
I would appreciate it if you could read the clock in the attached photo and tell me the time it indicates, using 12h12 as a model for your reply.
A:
6h50
